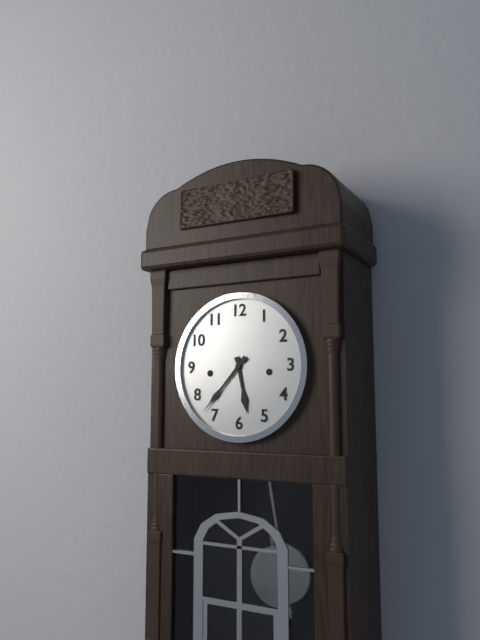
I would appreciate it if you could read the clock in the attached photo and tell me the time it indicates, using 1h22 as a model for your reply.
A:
5h37
